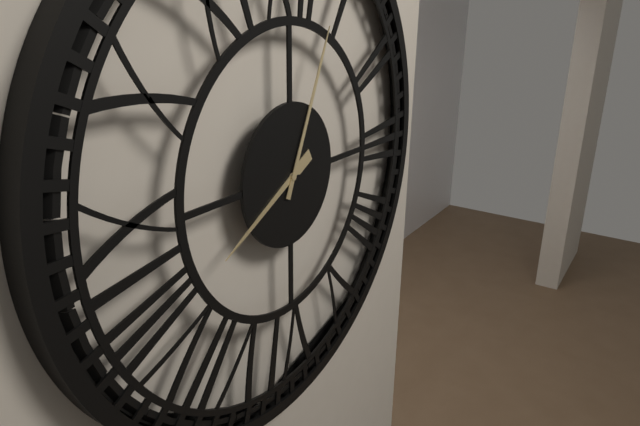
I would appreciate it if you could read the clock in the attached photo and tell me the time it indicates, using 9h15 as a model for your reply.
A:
8h04
